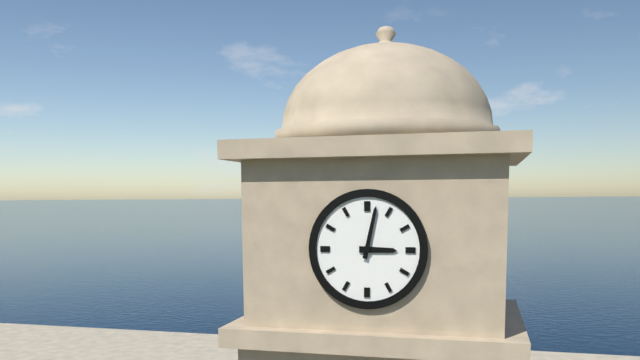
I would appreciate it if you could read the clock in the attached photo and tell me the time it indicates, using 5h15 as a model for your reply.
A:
3h02
